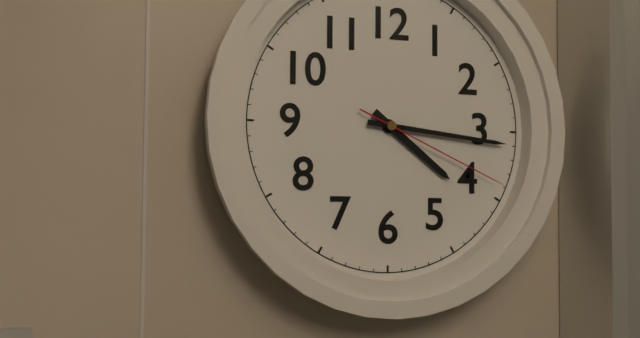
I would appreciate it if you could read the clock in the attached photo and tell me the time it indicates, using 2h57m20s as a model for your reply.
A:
4h16m19s
